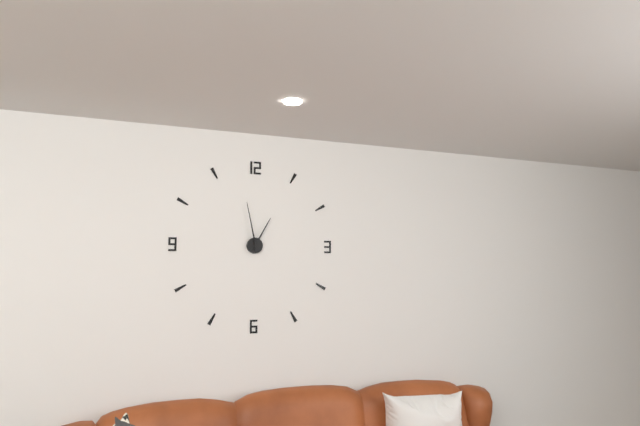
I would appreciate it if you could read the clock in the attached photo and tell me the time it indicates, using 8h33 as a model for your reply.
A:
12h58
